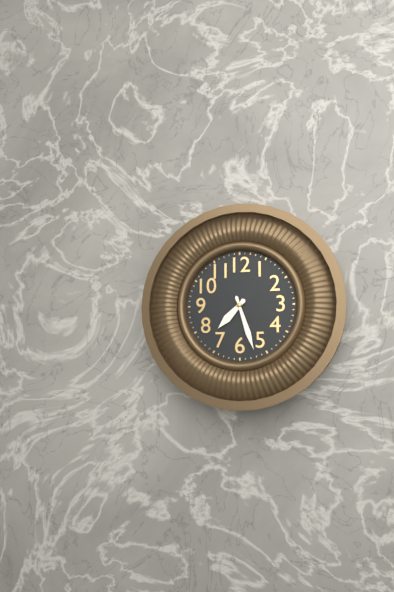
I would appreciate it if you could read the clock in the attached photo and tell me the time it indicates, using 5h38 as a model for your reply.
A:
7h27
